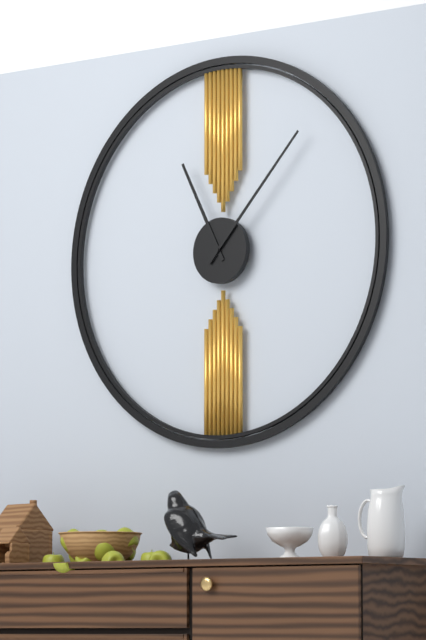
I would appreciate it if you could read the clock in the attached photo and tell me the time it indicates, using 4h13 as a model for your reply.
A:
11h07
